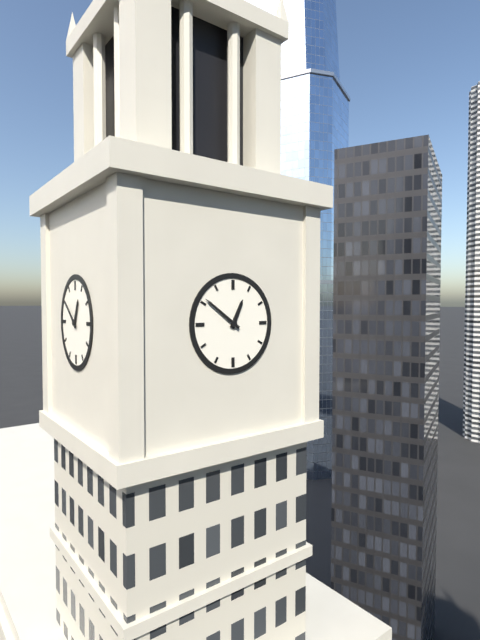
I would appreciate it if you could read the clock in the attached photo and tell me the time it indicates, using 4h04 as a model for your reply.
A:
12h51
